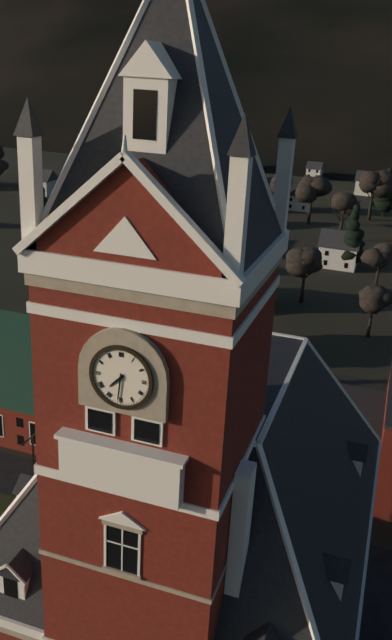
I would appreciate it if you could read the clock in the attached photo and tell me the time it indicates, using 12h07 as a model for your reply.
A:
7h31
